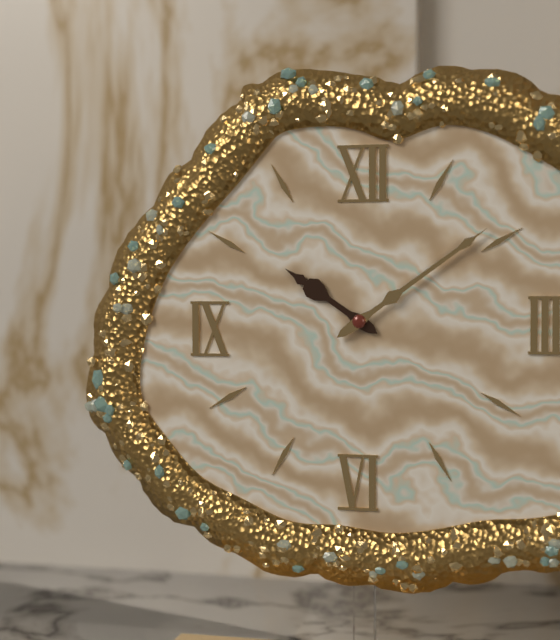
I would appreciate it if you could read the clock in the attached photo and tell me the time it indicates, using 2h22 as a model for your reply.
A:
10h09
